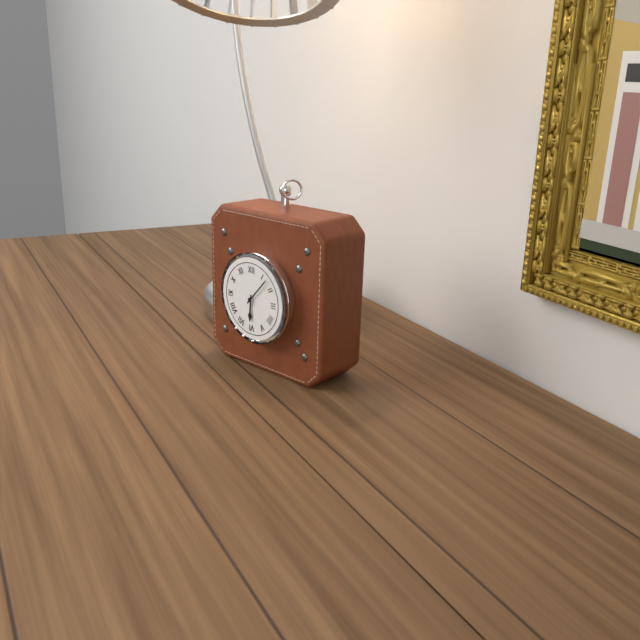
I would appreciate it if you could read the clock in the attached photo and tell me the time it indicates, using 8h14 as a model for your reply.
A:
6h07
